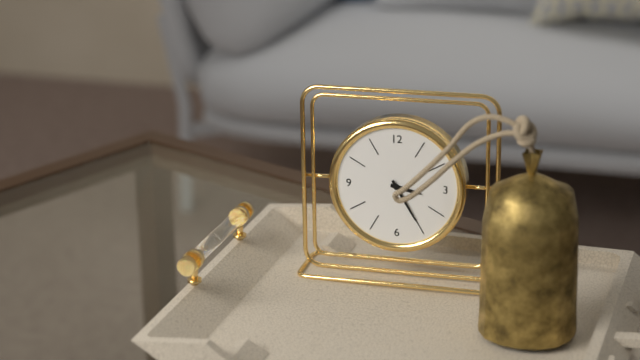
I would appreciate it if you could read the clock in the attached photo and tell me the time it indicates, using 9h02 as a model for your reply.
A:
3h25
